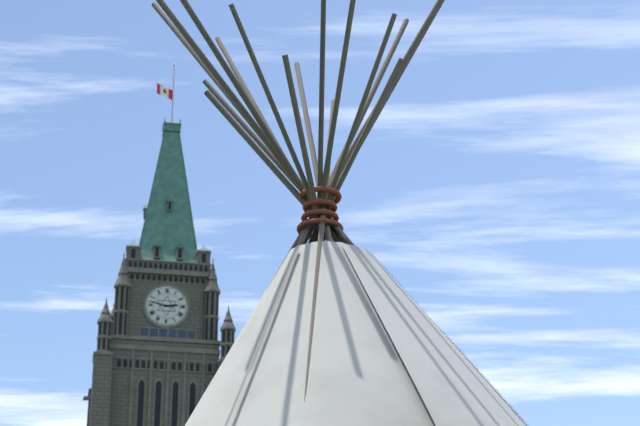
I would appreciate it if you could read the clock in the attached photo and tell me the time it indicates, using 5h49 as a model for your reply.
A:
2h47
